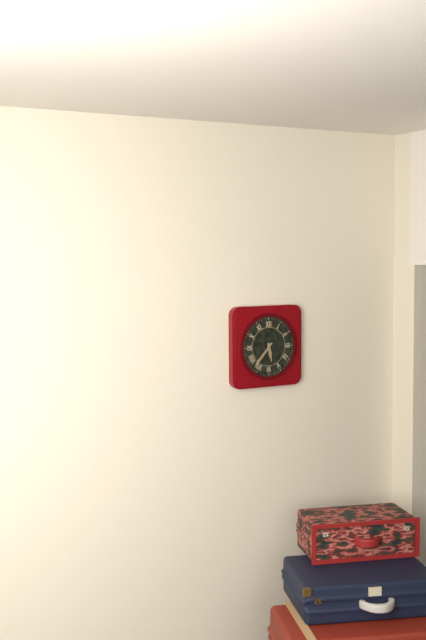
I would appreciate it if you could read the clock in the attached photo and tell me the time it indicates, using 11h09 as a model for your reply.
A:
5h37
